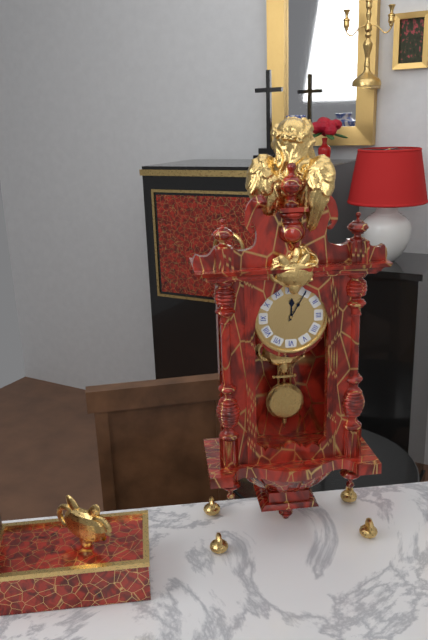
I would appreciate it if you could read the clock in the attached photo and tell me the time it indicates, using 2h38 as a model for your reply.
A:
12h05
